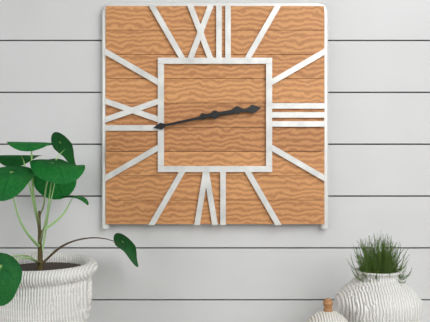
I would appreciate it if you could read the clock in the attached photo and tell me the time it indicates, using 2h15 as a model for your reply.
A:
2h43
